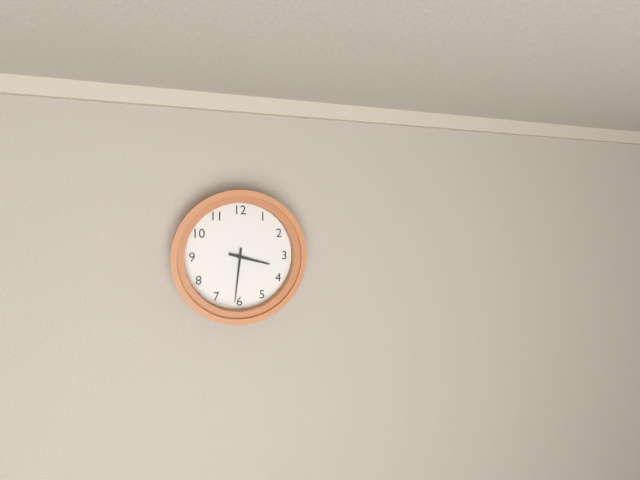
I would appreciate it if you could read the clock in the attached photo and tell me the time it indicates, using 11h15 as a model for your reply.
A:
3h31
